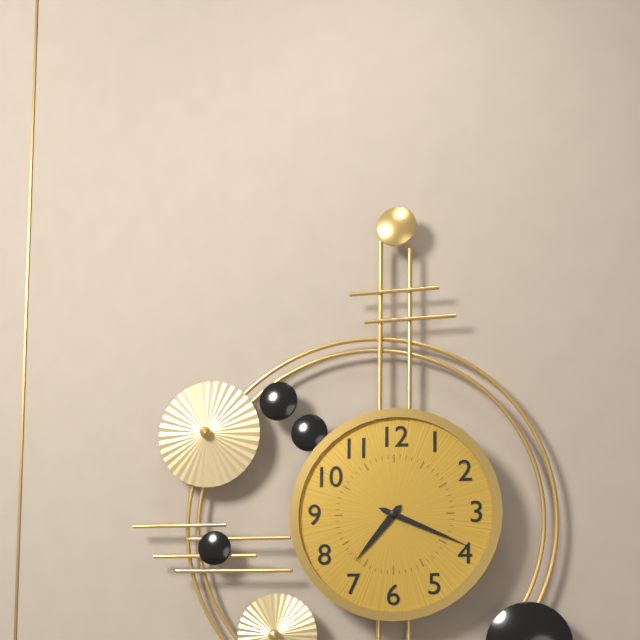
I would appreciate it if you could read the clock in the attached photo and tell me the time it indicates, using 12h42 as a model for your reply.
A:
7h19
